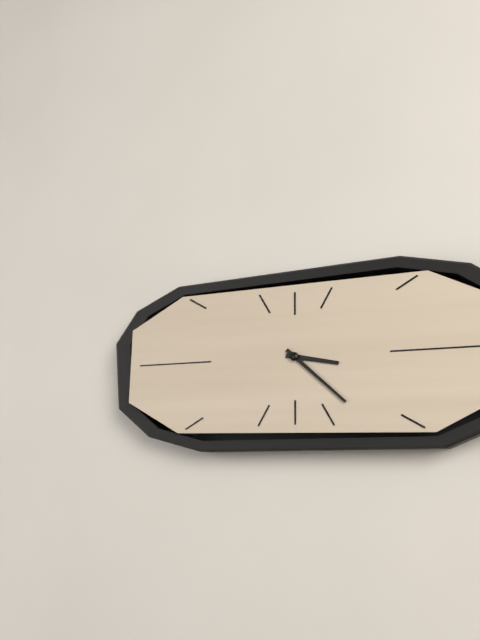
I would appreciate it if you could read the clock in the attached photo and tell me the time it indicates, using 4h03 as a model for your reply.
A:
3h22
